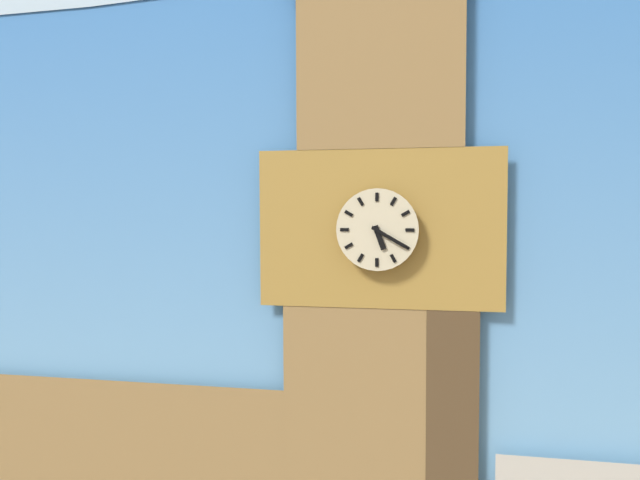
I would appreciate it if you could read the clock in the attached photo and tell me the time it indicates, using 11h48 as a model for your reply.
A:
5h20
